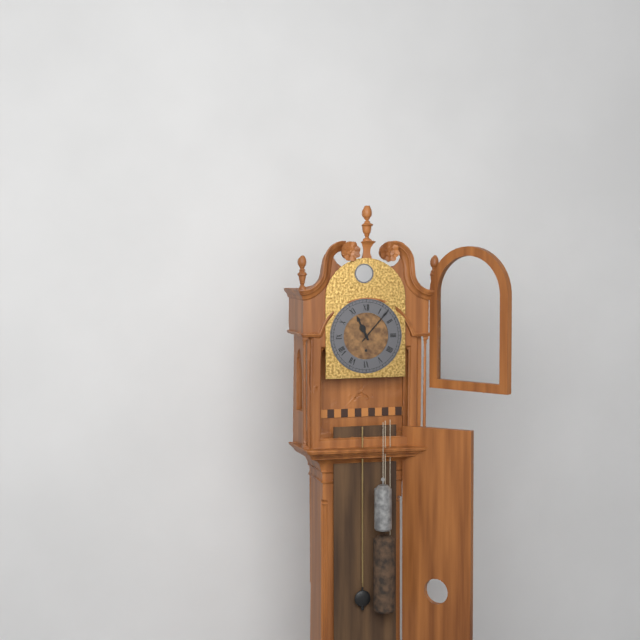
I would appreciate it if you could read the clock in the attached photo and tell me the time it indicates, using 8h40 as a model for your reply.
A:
11h07
